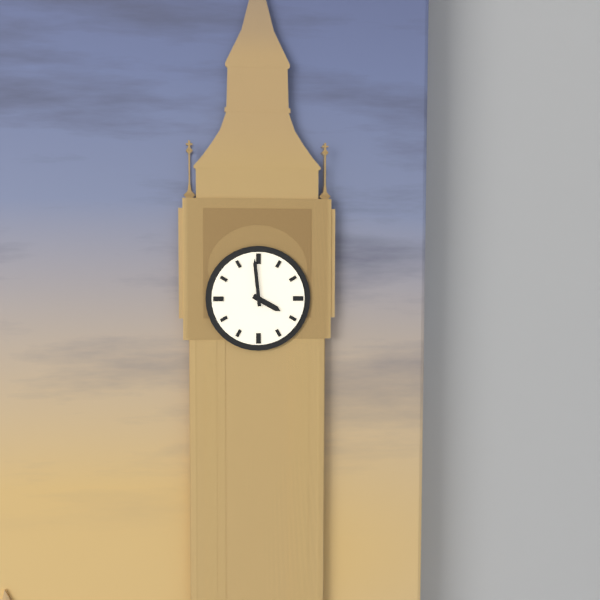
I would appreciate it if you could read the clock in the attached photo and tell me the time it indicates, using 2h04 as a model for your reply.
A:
3h59
